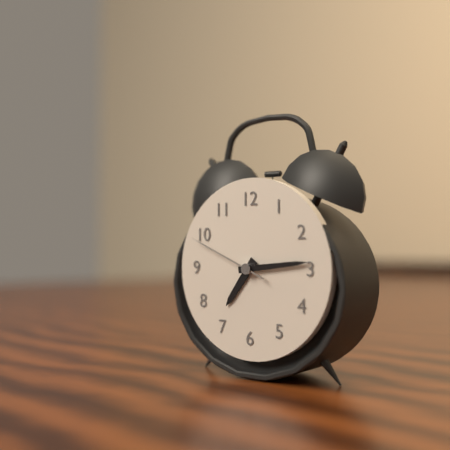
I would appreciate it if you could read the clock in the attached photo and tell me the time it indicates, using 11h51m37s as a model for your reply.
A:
7h14m49s
